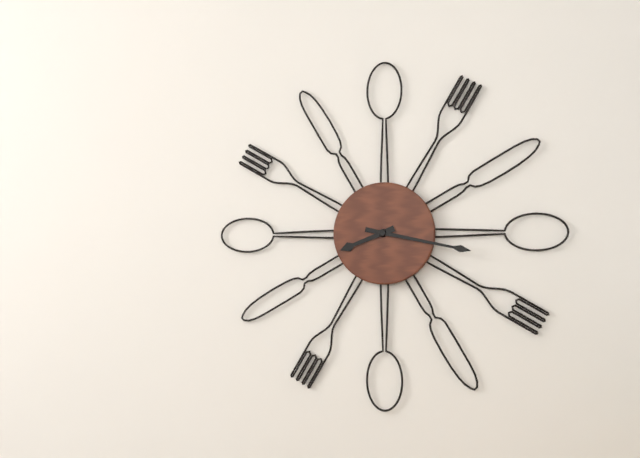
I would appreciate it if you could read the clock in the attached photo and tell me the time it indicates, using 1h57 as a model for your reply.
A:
8h17
